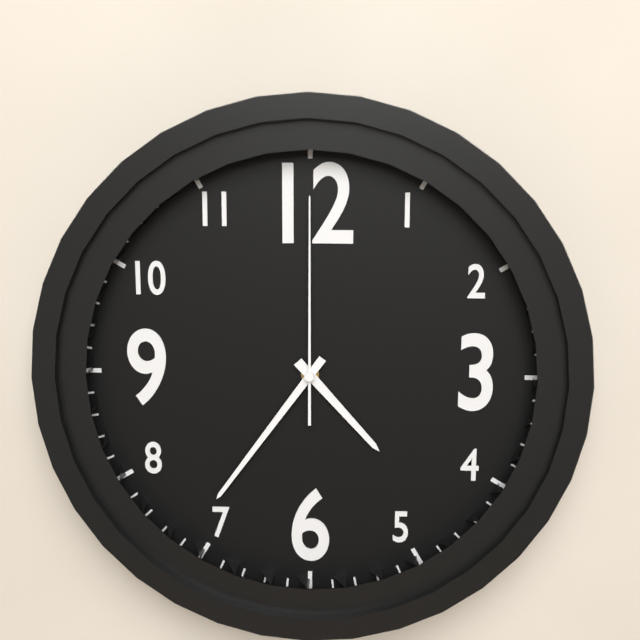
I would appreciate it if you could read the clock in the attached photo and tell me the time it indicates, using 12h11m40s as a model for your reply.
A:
4h36m00s
